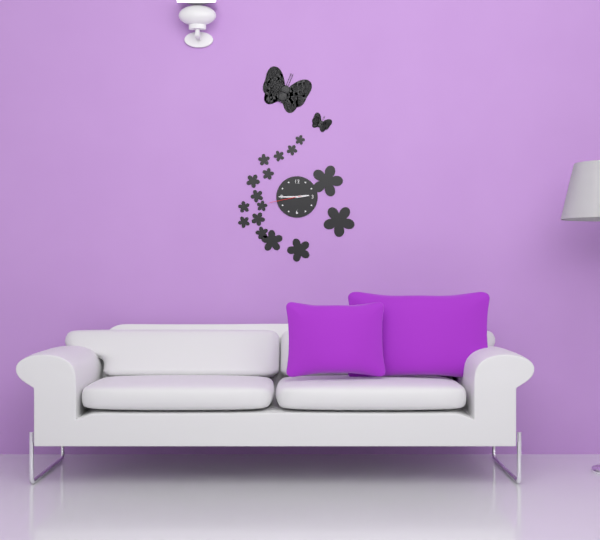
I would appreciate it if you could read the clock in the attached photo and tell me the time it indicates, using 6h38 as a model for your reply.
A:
2h45
